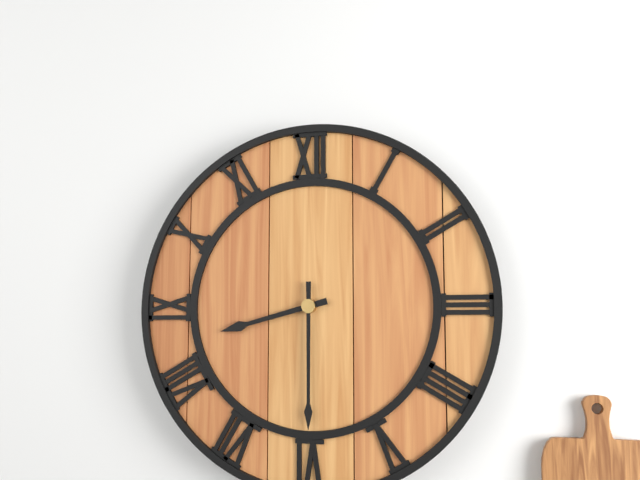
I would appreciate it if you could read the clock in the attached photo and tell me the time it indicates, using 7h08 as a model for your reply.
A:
8h30
